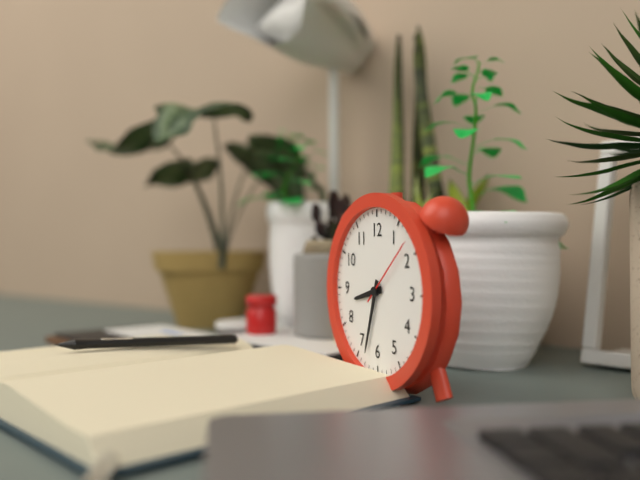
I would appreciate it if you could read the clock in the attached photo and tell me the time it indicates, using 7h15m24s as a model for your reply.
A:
8h33m08s
